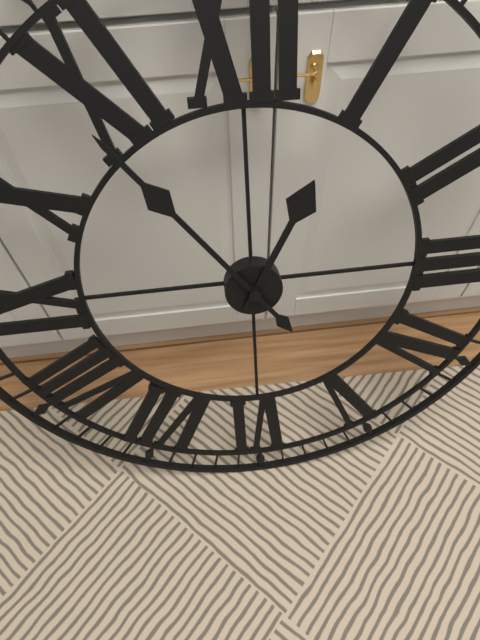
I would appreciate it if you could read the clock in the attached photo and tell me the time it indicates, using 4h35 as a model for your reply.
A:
12h54
